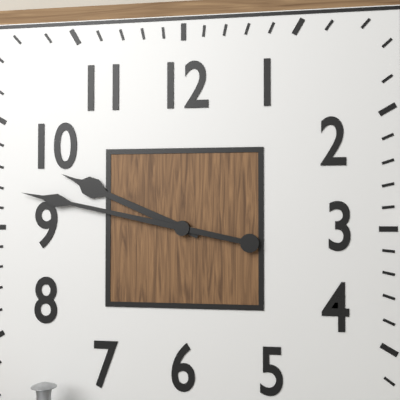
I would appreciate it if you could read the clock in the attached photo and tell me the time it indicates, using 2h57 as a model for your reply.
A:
9h47
